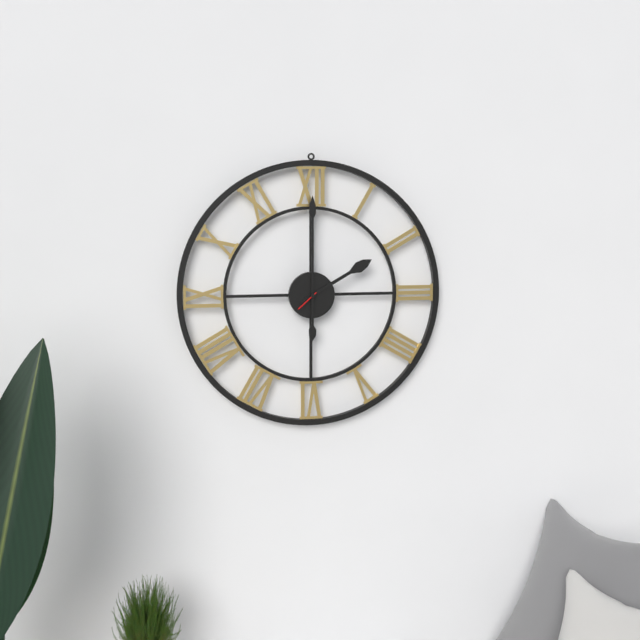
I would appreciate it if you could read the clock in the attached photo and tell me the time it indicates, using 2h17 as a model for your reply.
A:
2h00
